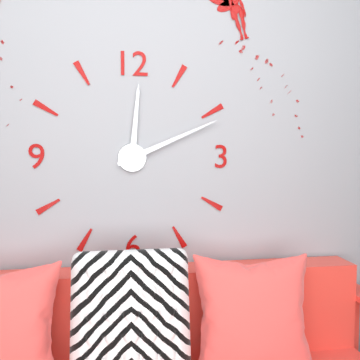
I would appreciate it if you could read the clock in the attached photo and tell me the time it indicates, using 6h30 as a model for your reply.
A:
12h11
